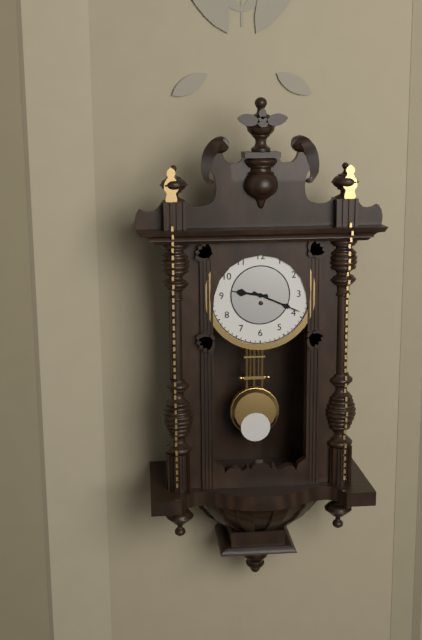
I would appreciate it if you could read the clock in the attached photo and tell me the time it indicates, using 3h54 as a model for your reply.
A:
9h19
